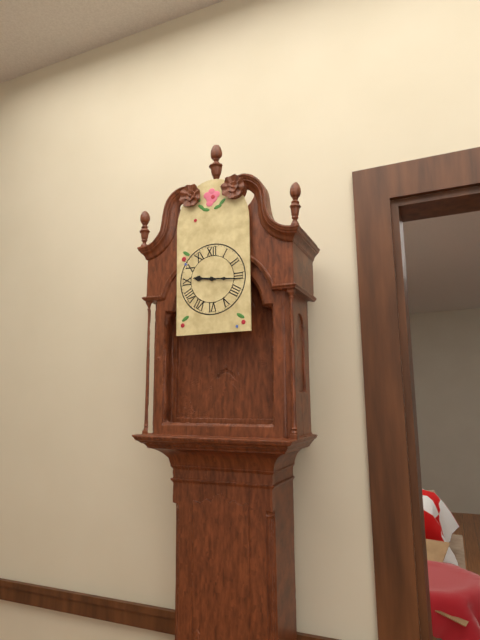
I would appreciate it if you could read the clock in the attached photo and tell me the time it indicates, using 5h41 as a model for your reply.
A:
9h16
